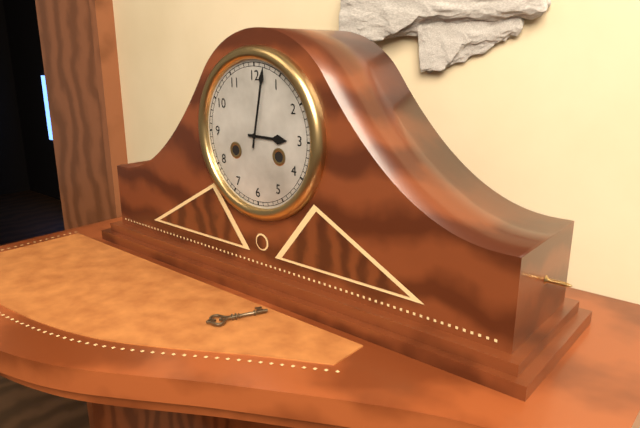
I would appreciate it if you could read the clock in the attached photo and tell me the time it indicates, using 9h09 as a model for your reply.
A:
3h02
